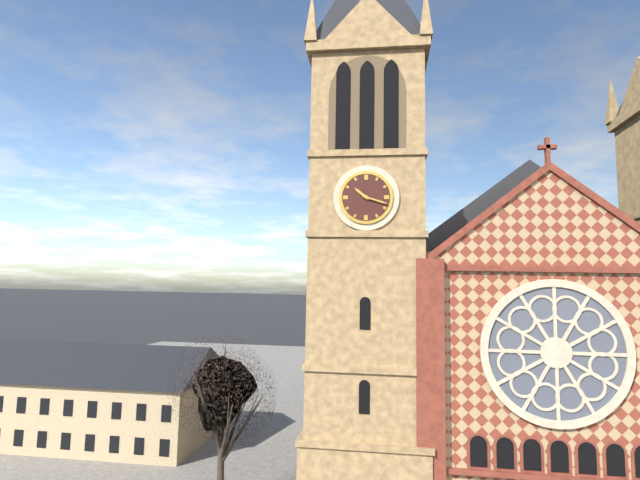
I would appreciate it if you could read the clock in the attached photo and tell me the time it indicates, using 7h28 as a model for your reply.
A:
10h18
